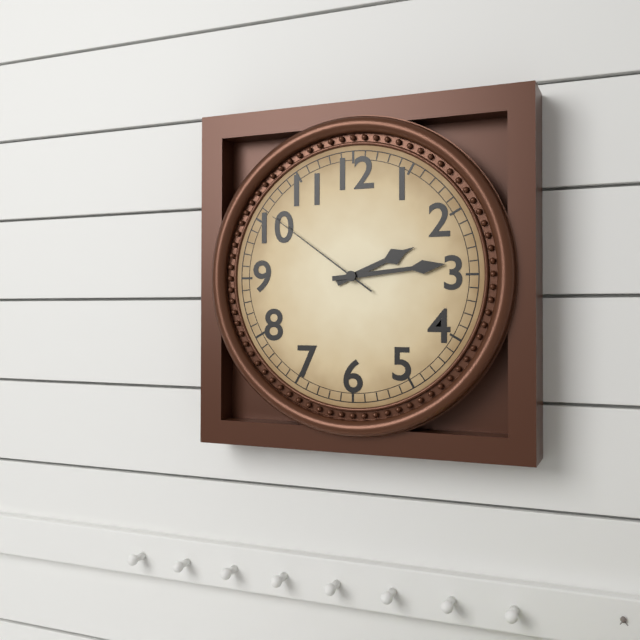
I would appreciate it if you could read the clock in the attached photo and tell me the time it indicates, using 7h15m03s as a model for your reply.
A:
2h14m51s
